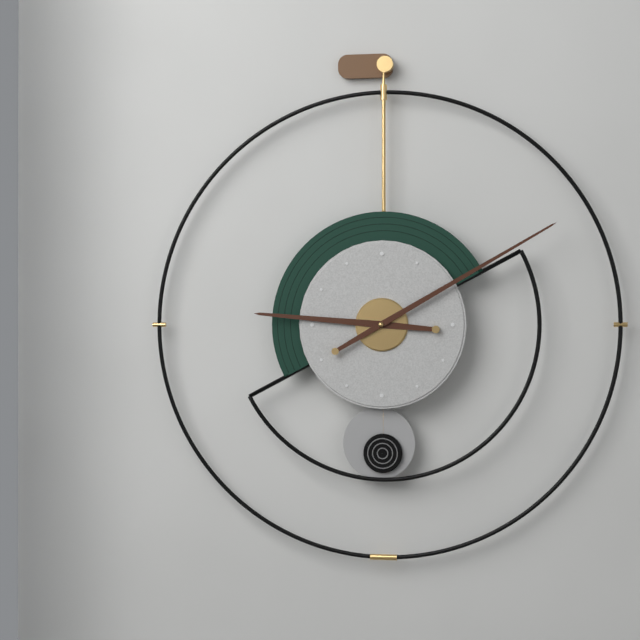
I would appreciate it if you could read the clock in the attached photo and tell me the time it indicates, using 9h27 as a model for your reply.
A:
9h10
